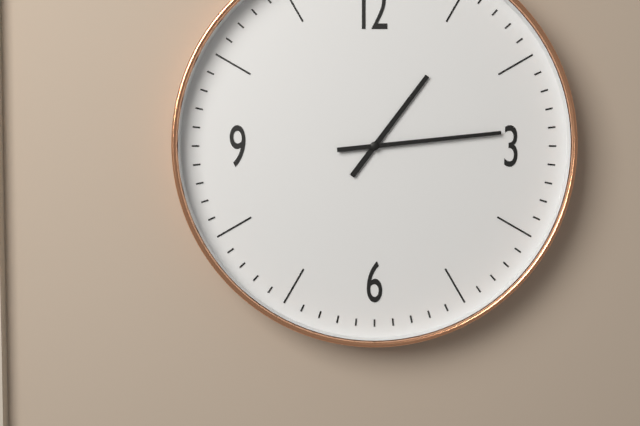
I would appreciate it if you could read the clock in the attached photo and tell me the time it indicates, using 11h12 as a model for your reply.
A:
1h14
